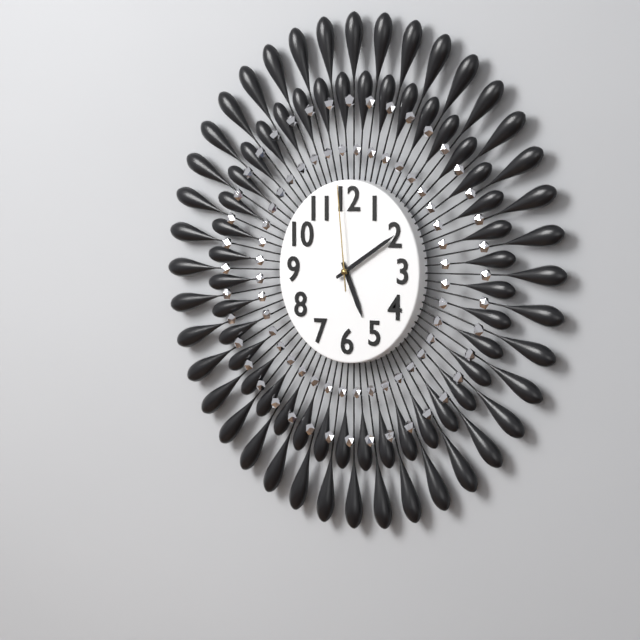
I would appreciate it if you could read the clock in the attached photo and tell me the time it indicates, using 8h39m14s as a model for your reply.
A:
5h10m59s
